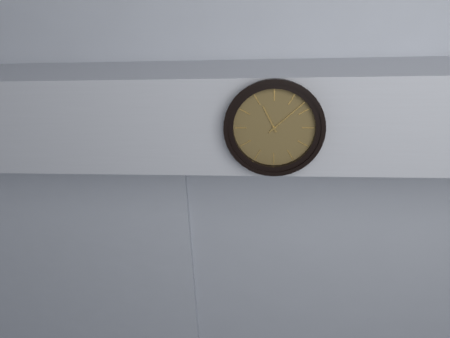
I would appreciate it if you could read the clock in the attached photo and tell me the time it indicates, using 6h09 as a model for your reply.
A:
11h08
